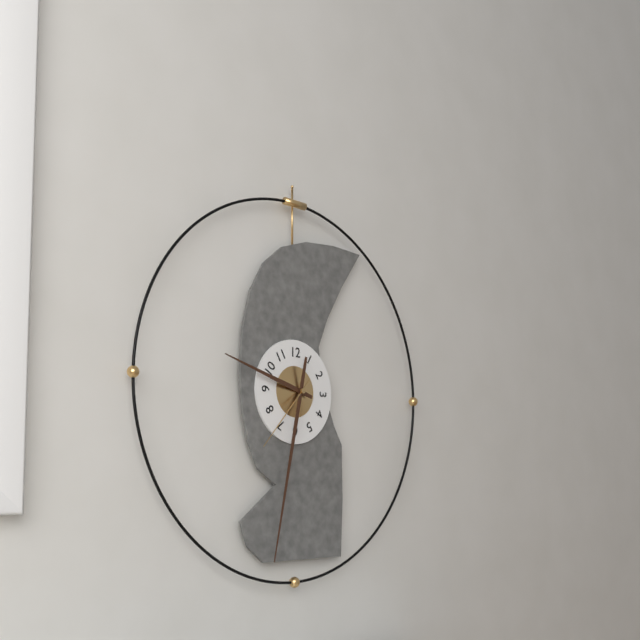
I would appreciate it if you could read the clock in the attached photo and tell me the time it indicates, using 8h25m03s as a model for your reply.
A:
9h32m37s
